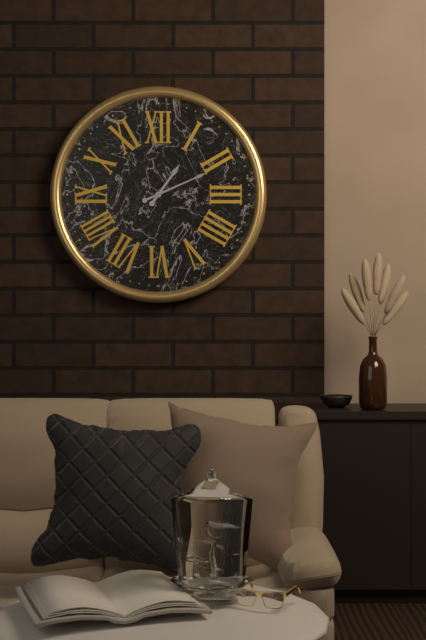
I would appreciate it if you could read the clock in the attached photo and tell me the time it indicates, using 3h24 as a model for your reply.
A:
1h11
